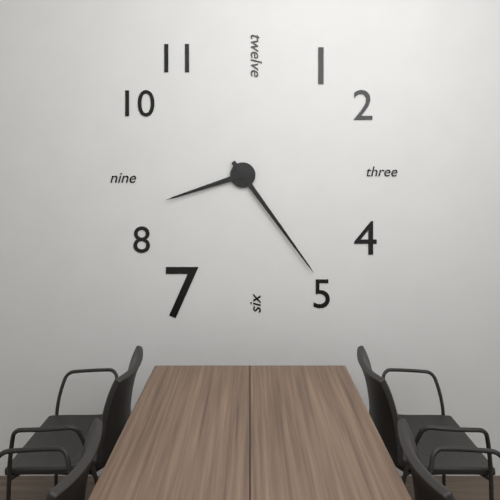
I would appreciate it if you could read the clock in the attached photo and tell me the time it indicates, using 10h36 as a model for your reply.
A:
8h24
